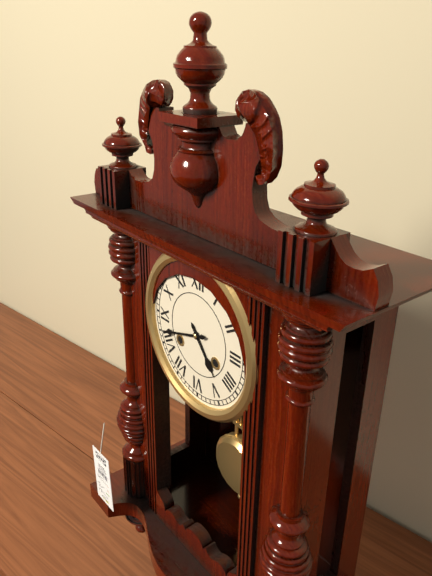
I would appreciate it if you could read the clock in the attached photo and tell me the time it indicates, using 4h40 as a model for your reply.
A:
4h42
